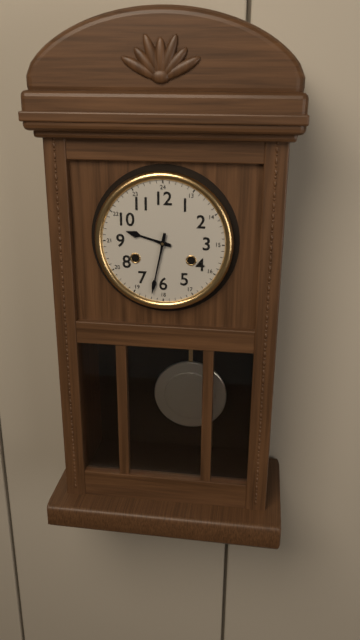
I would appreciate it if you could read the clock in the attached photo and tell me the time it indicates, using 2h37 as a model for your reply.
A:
9h32
